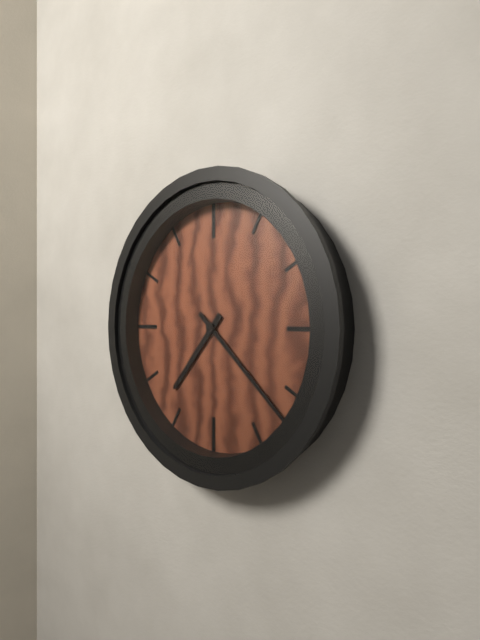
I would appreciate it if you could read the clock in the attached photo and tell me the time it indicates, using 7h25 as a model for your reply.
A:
7h22
